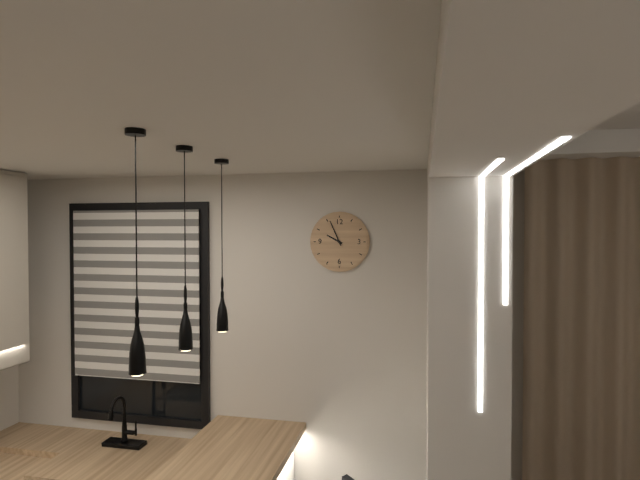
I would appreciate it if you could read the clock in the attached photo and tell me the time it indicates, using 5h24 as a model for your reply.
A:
9h56
